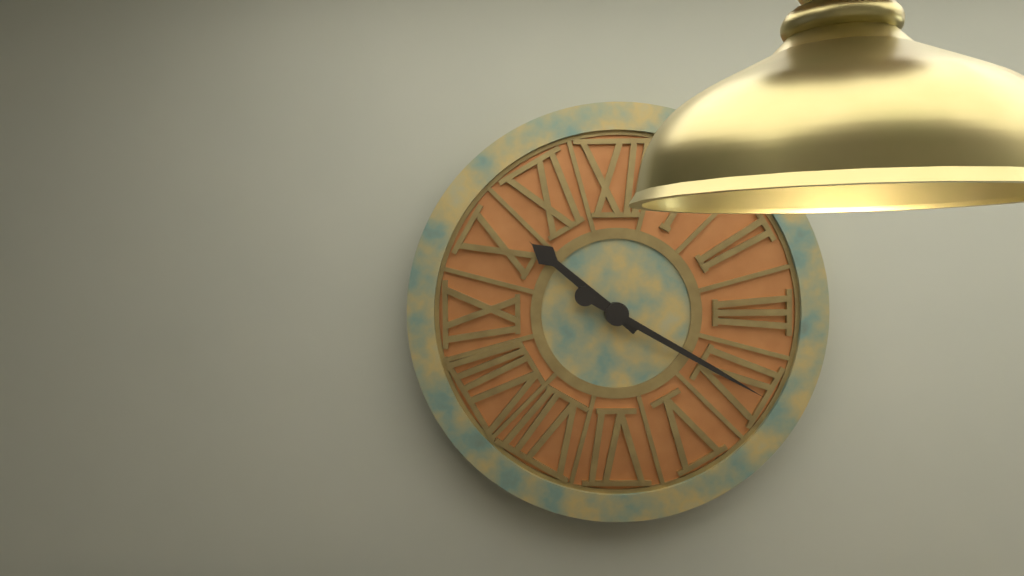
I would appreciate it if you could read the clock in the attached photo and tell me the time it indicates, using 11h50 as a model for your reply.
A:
10h20
